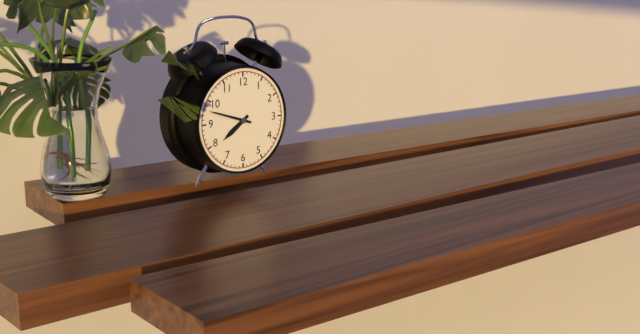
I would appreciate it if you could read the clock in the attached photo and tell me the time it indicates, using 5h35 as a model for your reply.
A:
7h48
